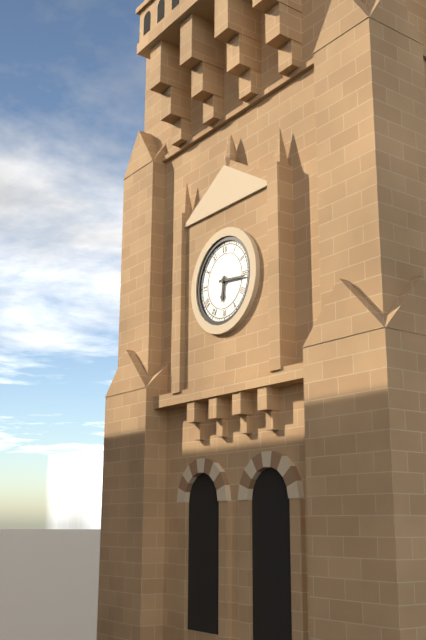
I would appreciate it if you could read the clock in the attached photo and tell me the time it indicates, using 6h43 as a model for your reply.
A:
6h16
